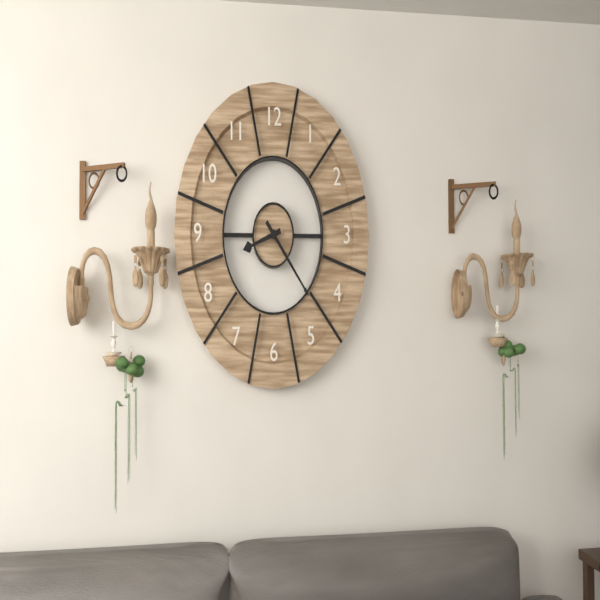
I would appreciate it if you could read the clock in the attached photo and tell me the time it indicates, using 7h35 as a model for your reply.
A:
8h23
